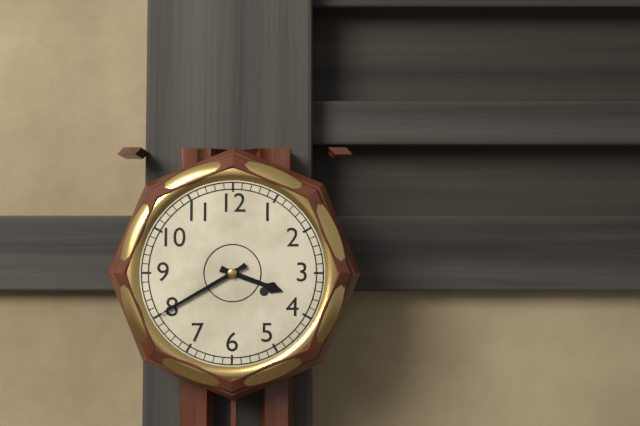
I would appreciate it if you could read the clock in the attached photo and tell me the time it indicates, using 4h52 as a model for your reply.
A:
3h40
